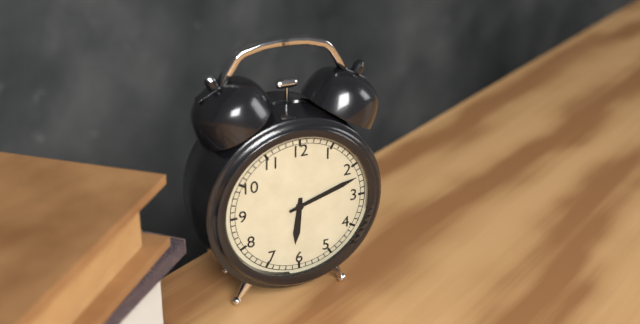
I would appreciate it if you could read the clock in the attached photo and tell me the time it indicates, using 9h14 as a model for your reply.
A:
6h12
